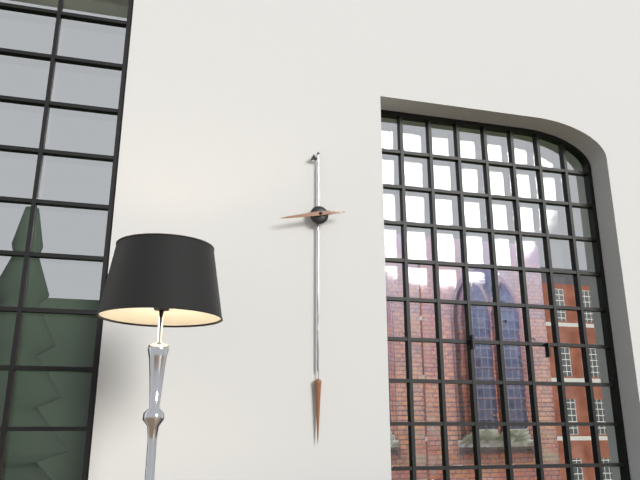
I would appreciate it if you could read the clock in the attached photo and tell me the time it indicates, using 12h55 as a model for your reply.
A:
2h43
